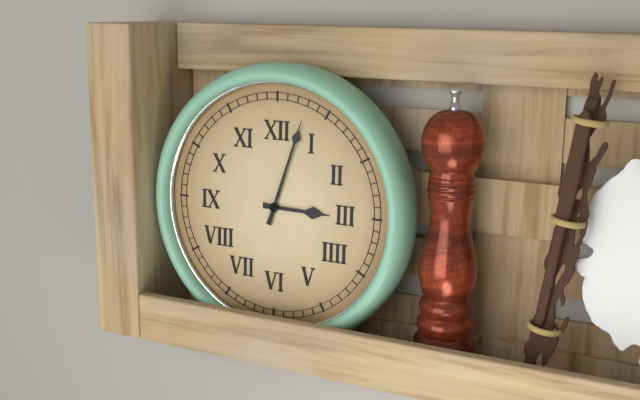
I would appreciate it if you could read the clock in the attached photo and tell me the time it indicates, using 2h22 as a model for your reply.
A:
3h03
